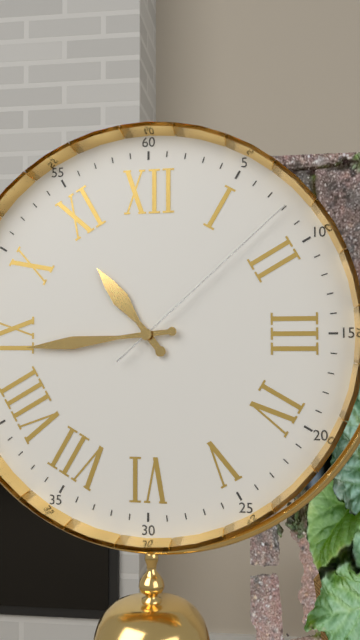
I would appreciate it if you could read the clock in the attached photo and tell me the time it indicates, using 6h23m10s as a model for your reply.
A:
10h44m08s
